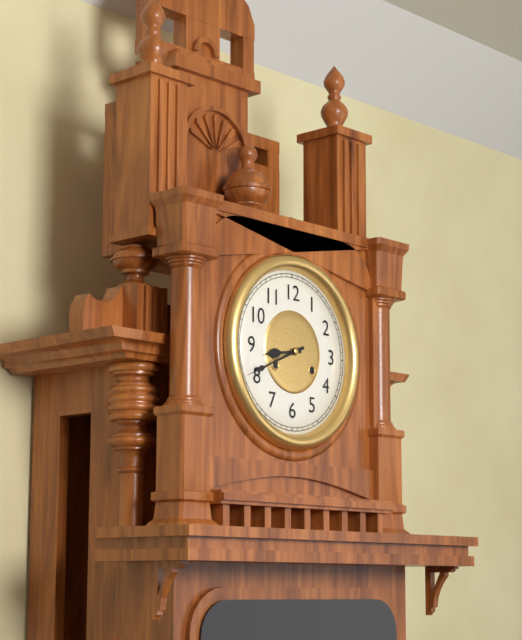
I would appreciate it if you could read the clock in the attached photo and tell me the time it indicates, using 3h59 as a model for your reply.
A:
8h41
